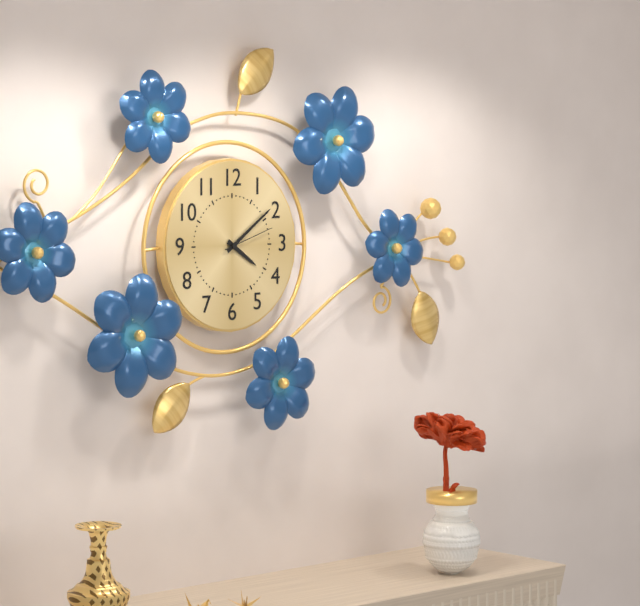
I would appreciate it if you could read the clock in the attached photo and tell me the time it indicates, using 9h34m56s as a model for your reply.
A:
4h09m12s
